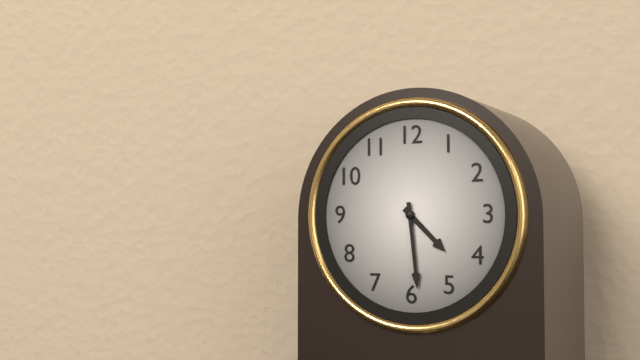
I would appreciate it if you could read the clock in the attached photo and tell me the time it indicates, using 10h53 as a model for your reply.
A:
4h29
